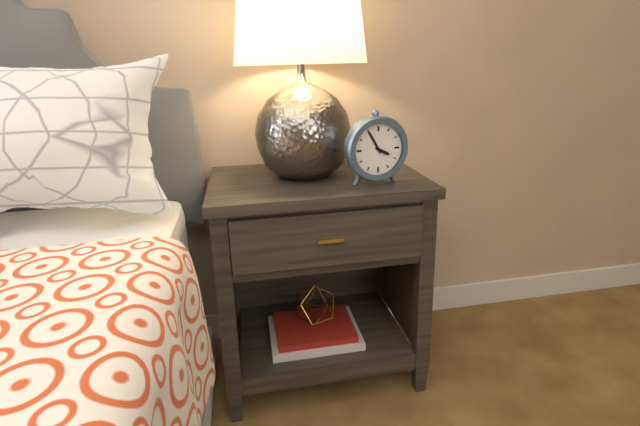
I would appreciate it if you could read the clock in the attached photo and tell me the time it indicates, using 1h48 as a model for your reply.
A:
3h55
